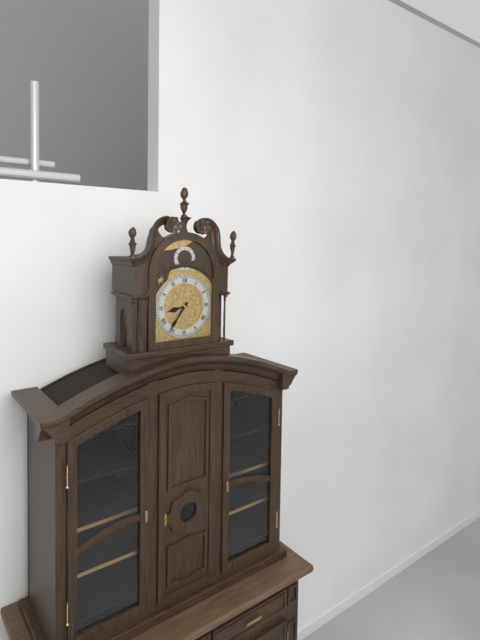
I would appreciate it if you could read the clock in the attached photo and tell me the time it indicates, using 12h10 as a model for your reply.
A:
8h36
